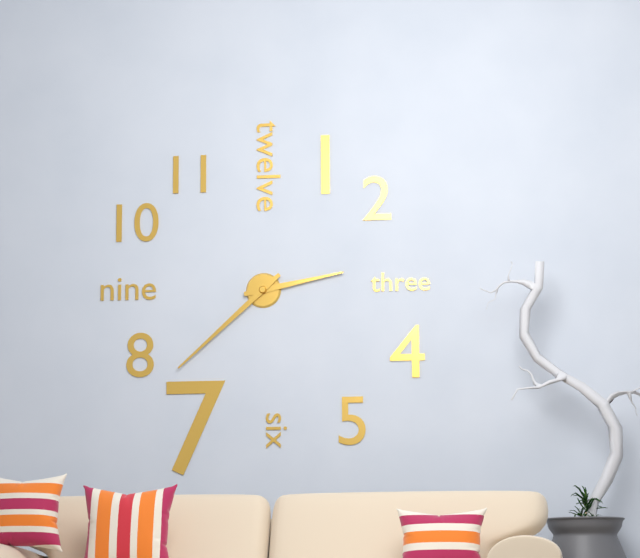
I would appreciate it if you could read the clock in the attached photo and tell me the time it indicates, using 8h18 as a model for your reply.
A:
2h38
